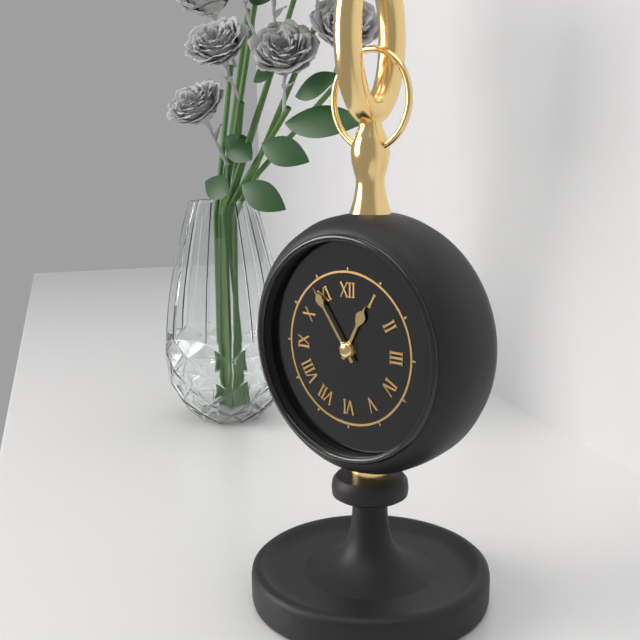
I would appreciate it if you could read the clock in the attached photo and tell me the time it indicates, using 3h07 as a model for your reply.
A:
12h54
